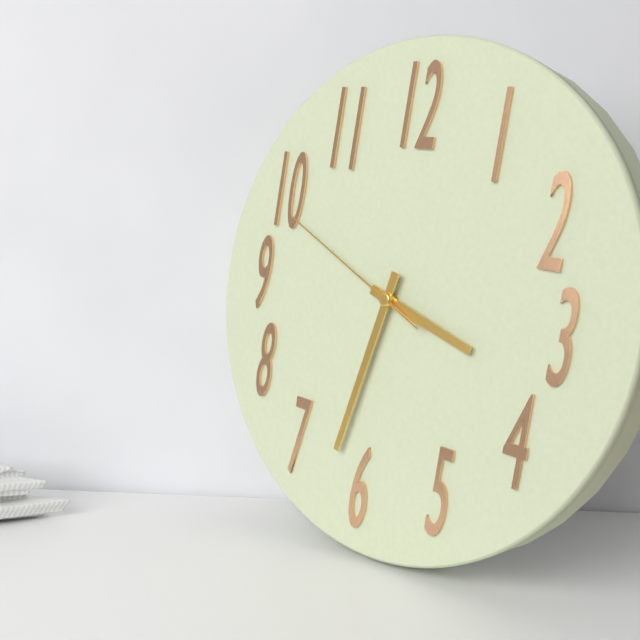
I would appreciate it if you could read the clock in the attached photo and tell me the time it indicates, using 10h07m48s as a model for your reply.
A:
3h32m49s
